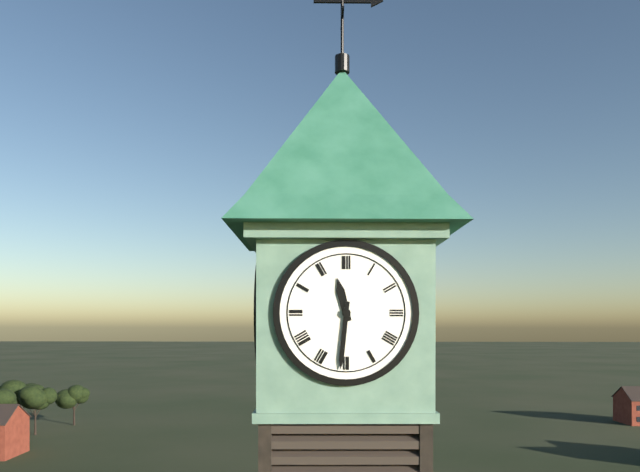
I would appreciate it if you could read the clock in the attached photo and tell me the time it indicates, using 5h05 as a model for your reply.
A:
11h31
